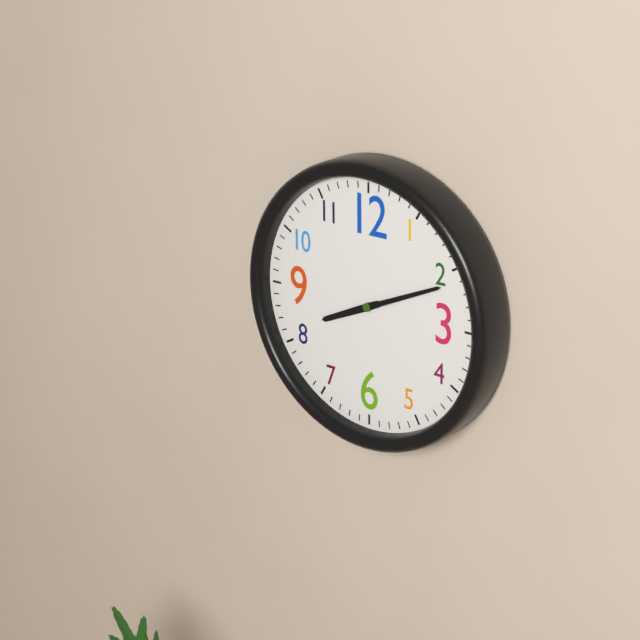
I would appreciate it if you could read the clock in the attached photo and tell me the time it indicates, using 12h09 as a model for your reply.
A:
8h11
